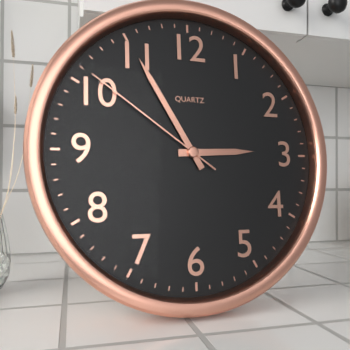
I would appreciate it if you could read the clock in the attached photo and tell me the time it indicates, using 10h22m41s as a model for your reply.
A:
2h55m51s
